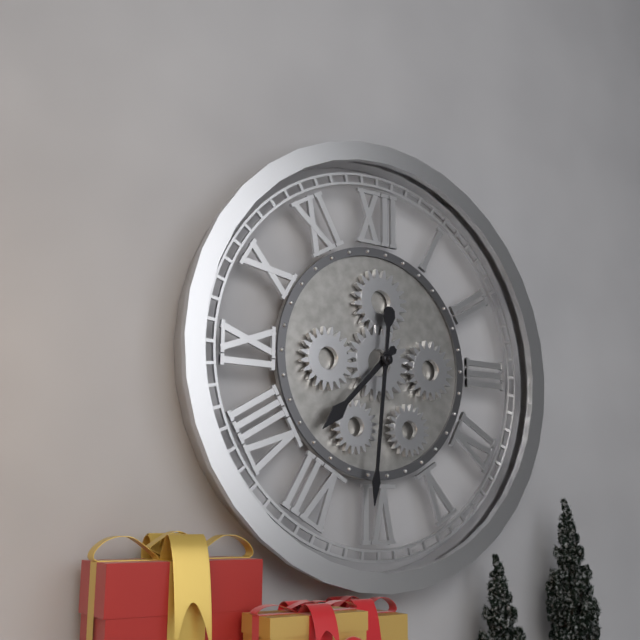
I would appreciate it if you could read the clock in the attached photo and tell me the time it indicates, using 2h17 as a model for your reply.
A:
7h31
